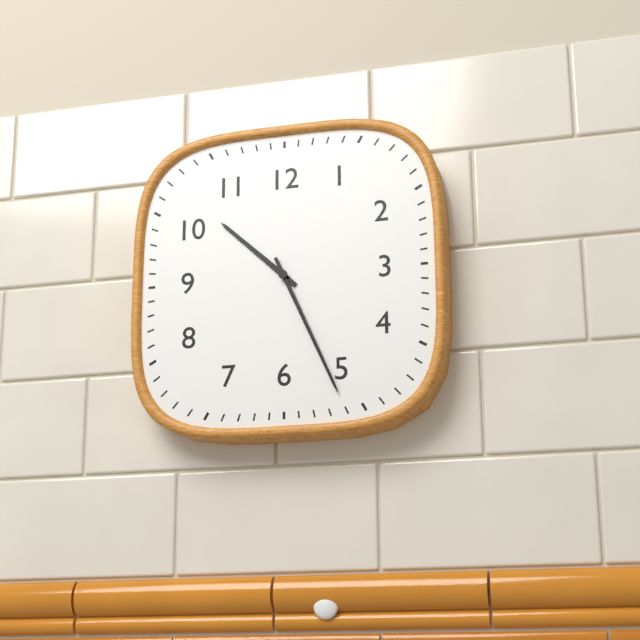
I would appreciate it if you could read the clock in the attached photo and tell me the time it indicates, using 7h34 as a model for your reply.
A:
10h26
